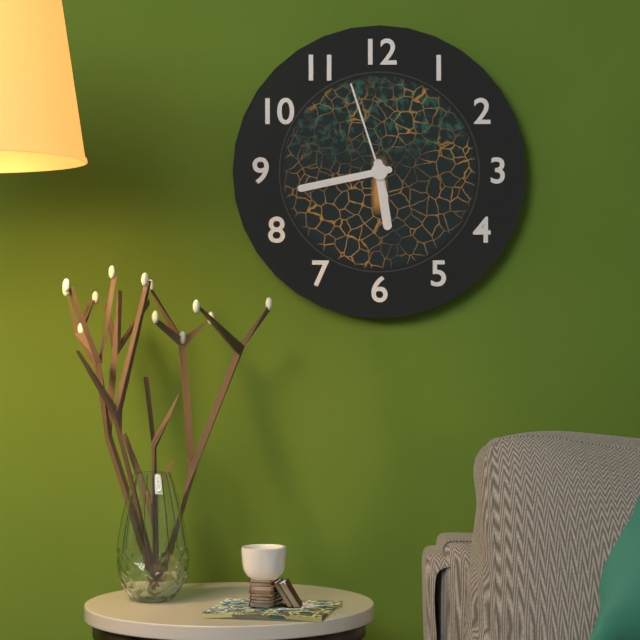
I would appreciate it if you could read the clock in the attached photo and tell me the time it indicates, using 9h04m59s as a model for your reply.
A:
5h43m57s
